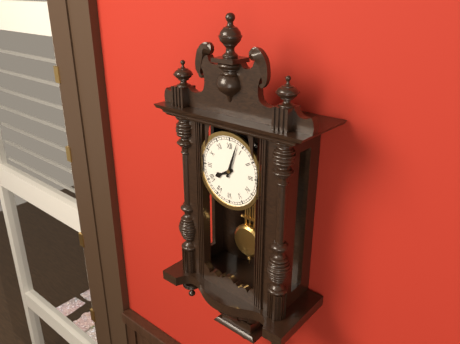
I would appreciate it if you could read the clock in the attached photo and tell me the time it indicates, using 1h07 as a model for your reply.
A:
8h03
